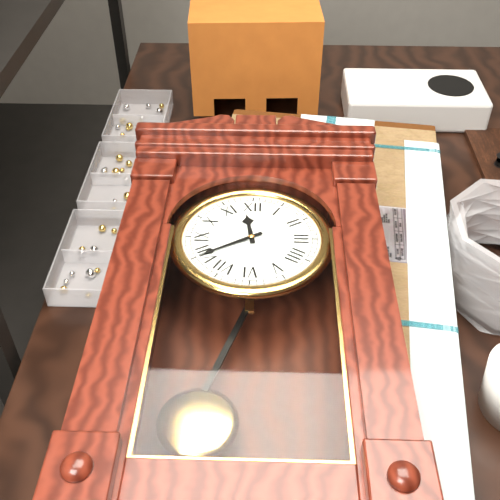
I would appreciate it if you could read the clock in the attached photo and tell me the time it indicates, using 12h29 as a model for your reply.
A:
11h40
